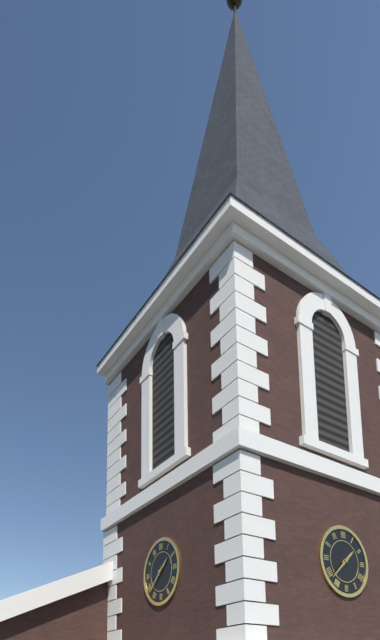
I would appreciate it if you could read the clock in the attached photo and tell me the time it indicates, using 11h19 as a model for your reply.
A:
1h38
